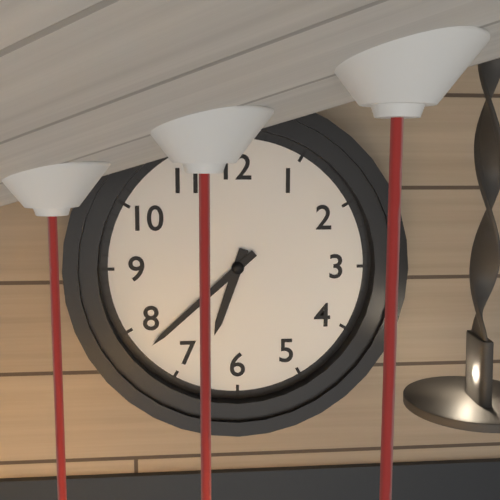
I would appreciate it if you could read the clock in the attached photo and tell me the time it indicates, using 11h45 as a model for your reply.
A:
6h38
